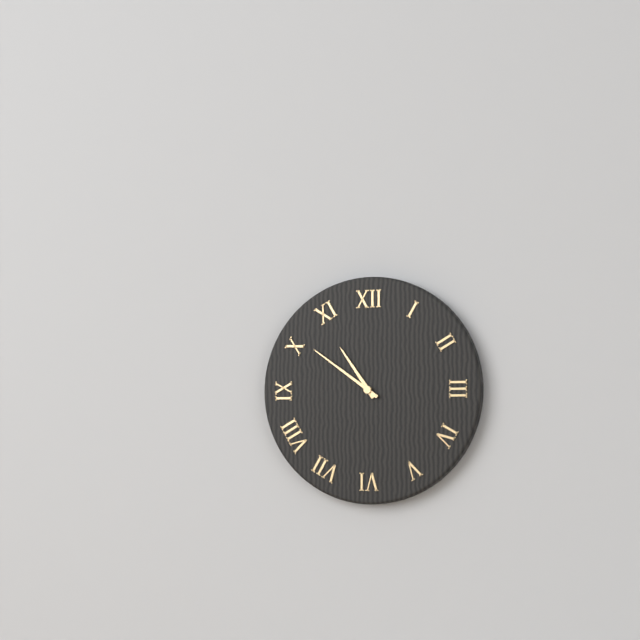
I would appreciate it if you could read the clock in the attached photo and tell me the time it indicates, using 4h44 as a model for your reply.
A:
10h51
